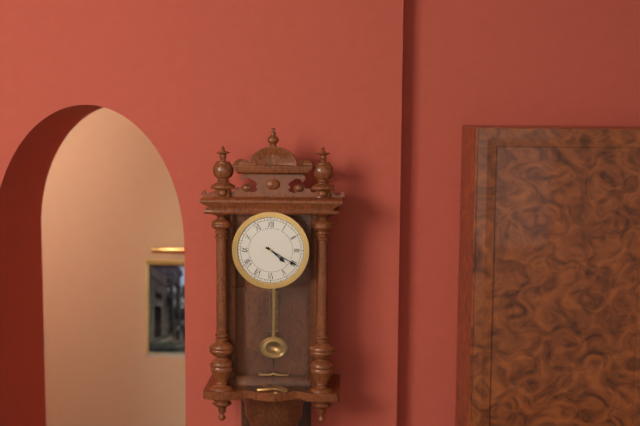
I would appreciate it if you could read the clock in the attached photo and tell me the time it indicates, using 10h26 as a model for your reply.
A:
4h20
